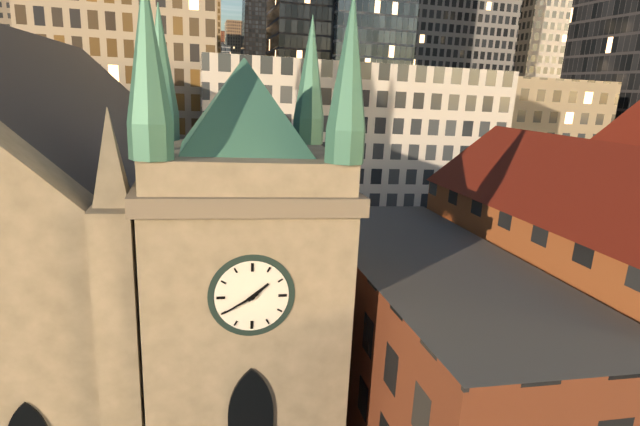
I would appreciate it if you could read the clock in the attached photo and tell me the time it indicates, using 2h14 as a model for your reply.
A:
1h40
